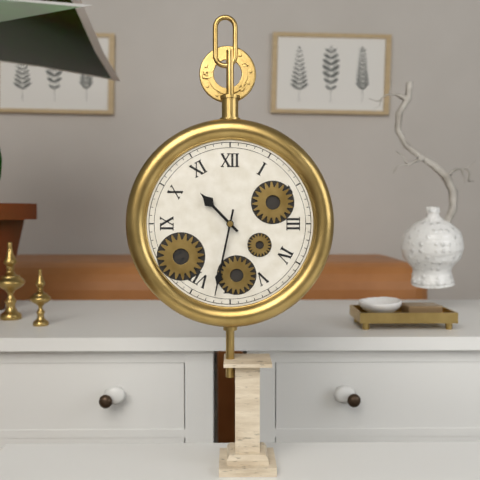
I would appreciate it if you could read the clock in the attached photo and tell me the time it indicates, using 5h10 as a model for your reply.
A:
10h32
